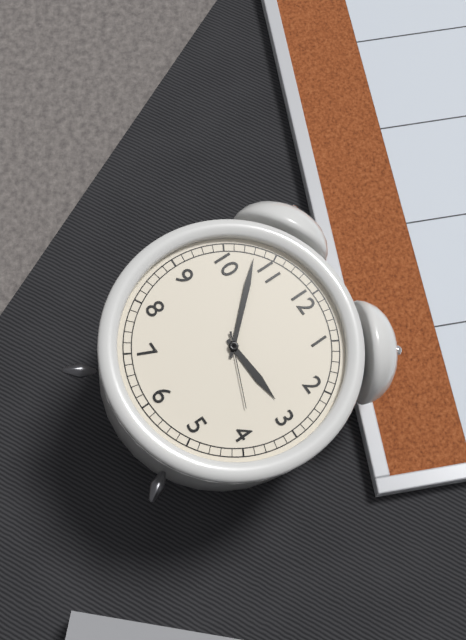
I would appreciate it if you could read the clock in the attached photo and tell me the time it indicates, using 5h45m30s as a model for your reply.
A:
2h53m19s
